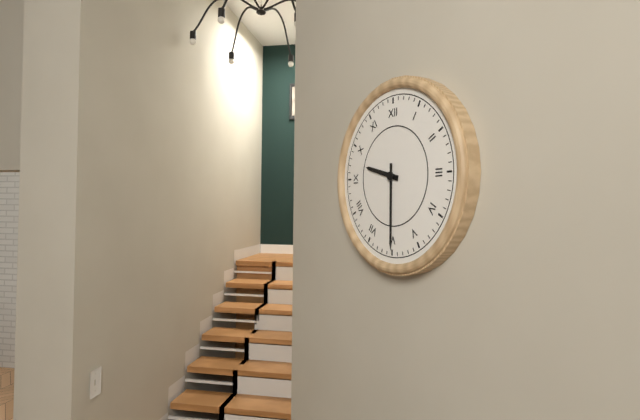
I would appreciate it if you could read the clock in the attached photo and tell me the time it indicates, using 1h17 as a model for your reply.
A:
9h30
